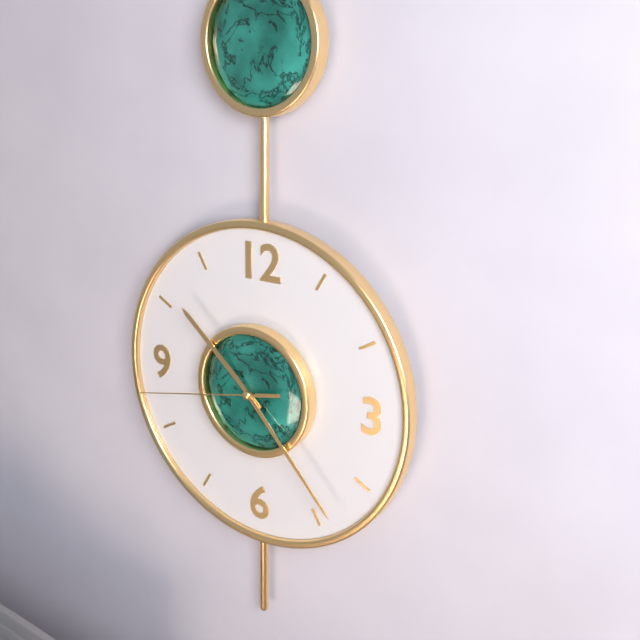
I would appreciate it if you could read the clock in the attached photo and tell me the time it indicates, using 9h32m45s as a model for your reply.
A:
10h23m43s
